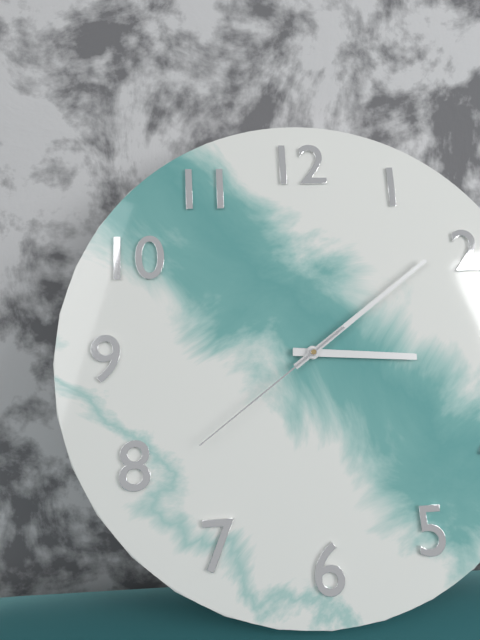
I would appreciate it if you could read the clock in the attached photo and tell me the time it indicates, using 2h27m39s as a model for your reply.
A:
3h09m39s
